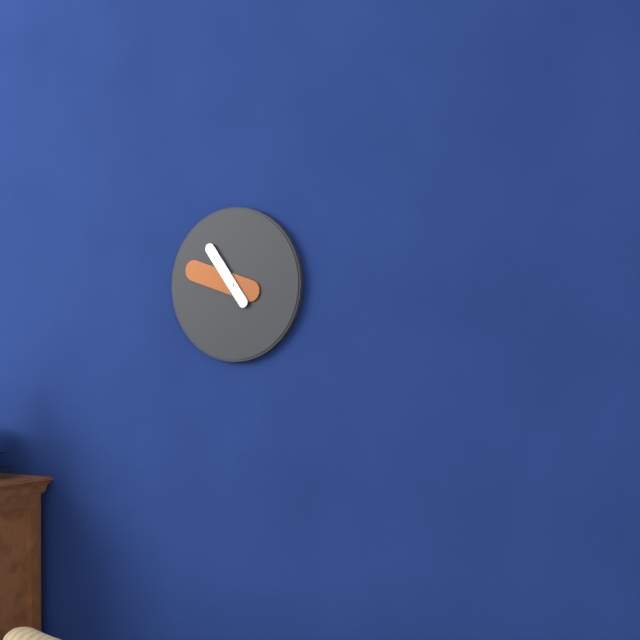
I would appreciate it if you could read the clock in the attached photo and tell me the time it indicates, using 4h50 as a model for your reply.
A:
10h48
